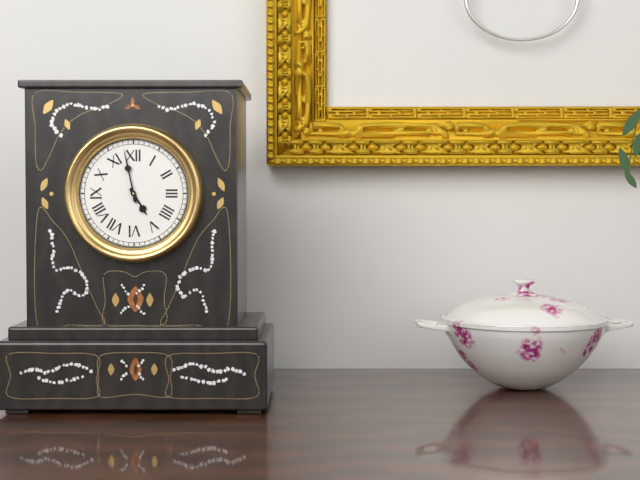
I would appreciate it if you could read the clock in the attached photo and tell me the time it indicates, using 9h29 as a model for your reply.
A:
4h58
